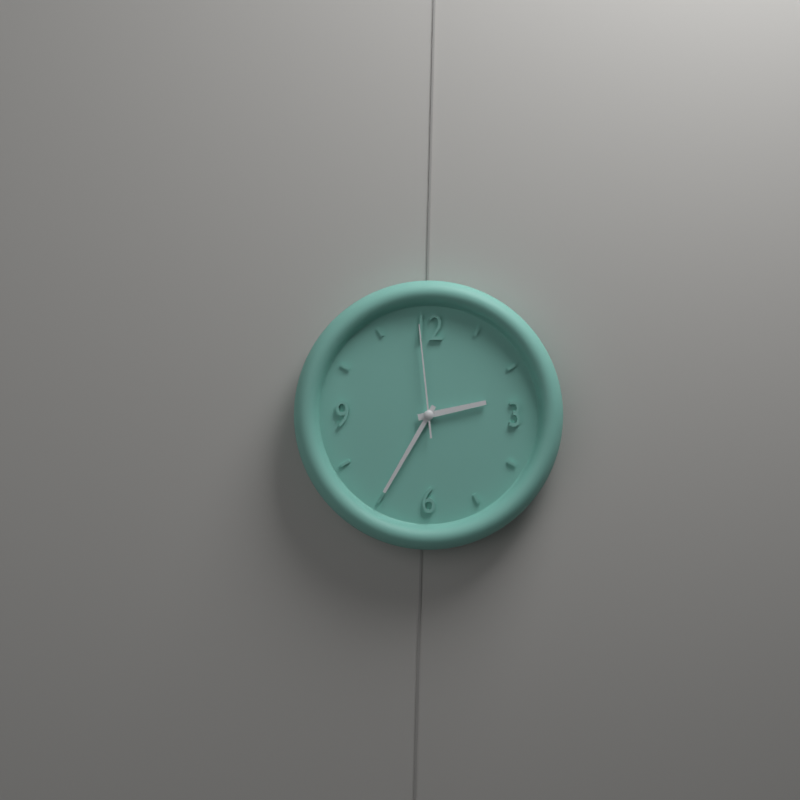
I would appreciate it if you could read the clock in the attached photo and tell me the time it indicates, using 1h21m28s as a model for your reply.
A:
2h35m59s
